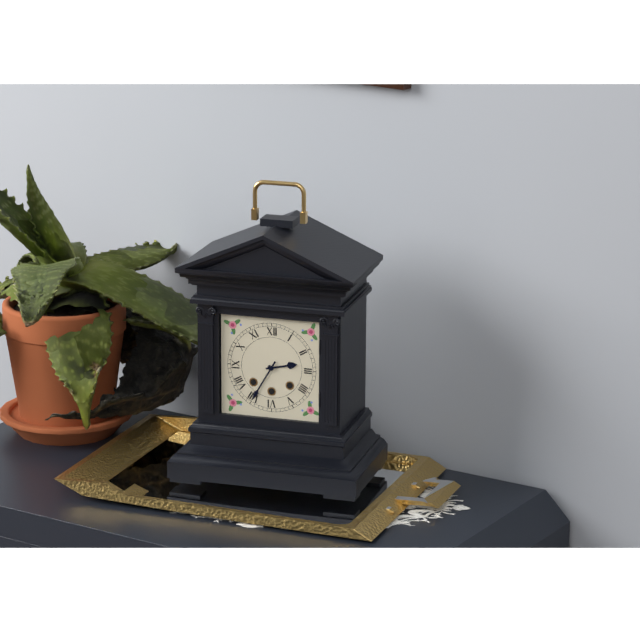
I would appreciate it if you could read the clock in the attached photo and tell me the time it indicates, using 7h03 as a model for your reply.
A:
2h35
